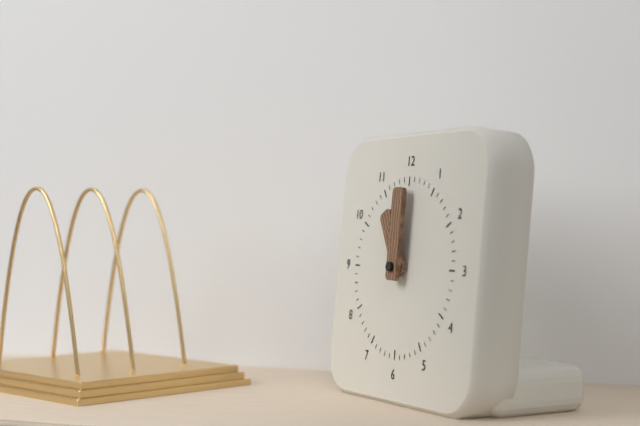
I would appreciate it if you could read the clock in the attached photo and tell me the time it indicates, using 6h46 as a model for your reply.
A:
11h00
